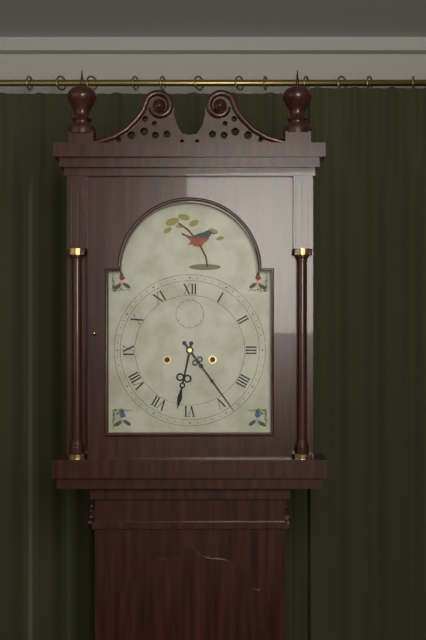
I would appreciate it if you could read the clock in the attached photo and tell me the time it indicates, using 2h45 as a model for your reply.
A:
6h24
